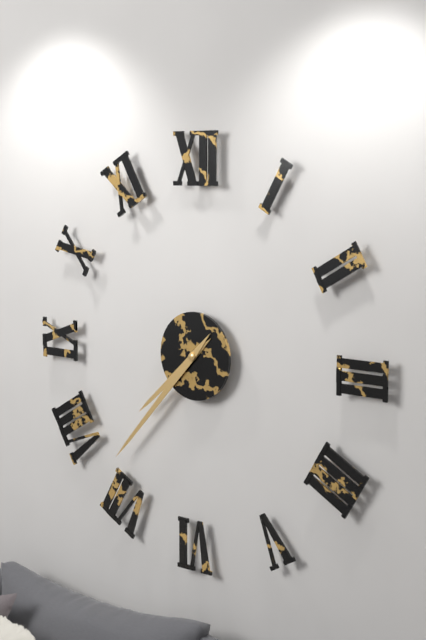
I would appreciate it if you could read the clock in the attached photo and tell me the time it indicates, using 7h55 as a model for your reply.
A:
7h37
